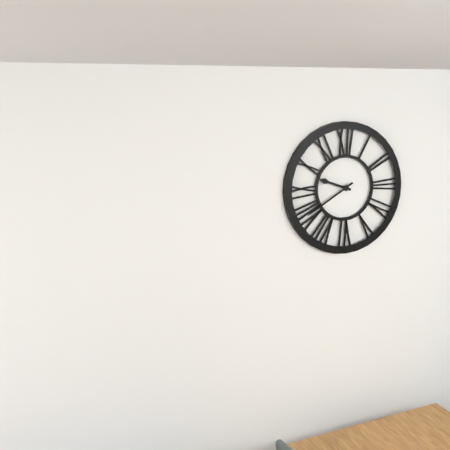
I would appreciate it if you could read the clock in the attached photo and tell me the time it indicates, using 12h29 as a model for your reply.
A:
9h40
